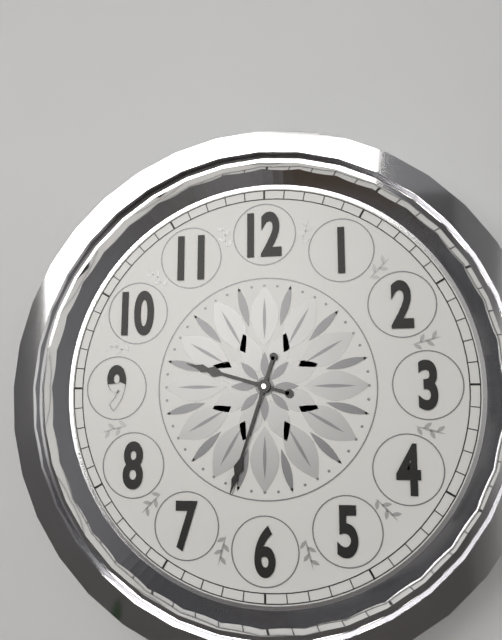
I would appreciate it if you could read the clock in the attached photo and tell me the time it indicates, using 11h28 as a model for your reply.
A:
9h33
